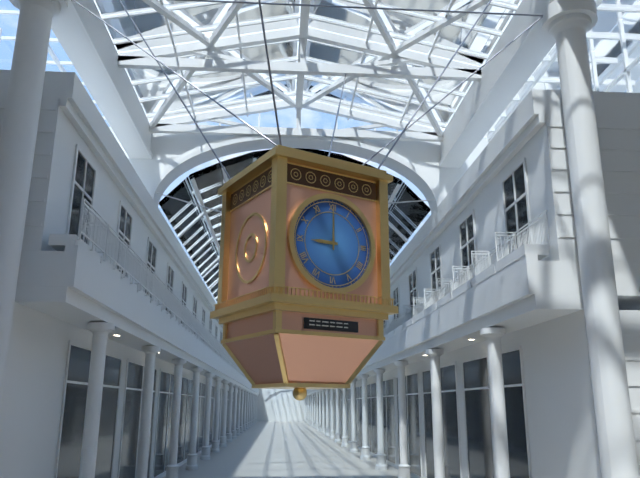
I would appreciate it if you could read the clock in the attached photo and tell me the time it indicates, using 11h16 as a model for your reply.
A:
9h00
